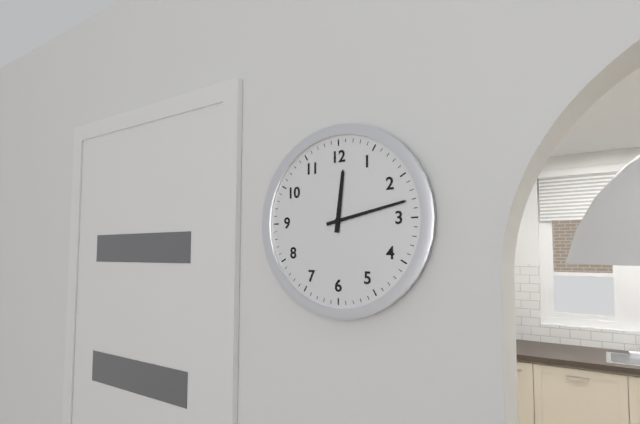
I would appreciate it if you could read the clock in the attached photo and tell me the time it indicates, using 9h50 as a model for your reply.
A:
12h13
